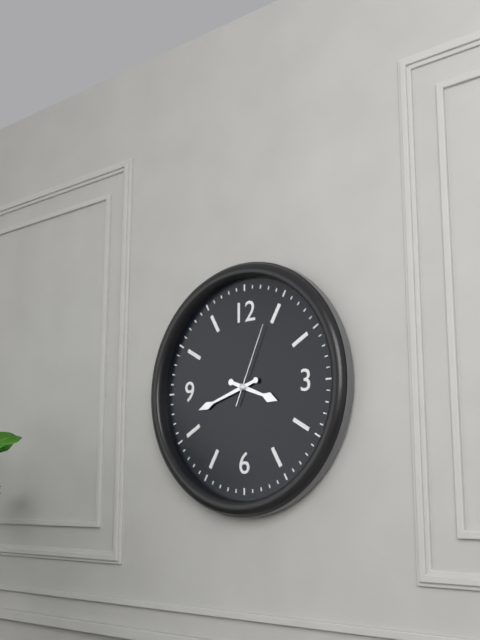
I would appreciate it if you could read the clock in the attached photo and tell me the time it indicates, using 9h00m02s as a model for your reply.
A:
3h42m04s
